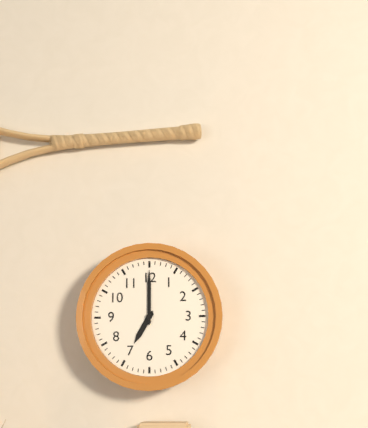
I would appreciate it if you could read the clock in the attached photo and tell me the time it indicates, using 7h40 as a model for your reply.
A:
7h00
